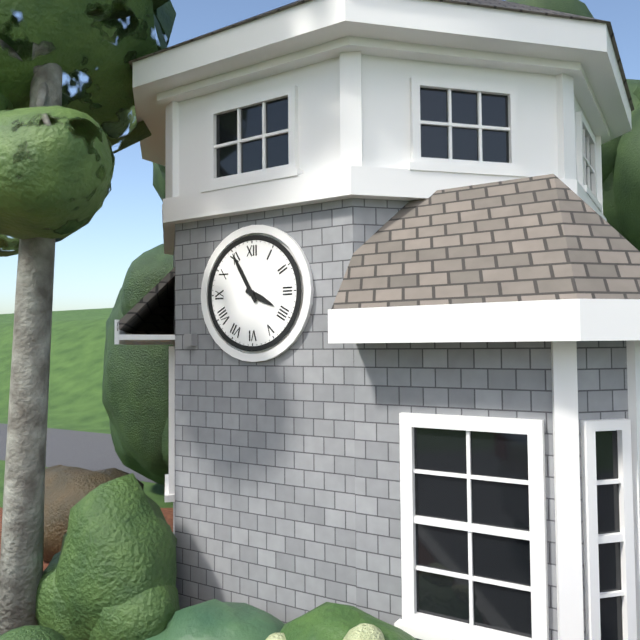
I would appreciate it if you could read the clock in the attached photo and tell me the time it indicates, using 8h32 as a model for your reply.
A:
3h55
